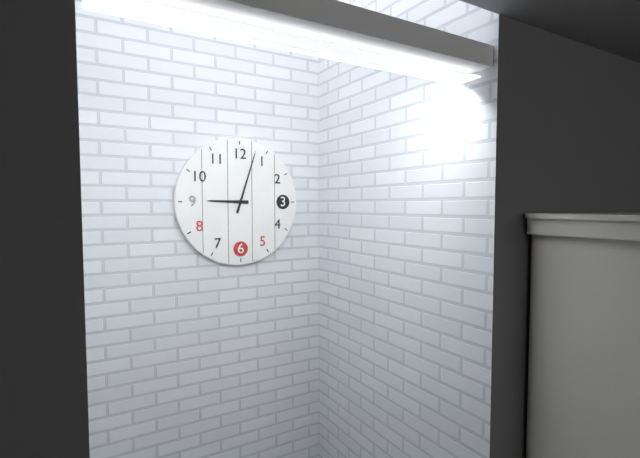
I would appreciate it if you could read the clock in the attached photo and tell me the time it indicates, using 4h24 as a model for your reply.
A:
9h03
